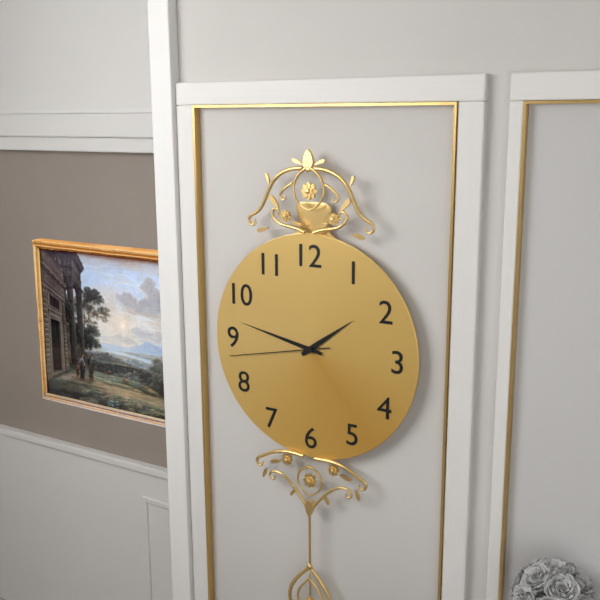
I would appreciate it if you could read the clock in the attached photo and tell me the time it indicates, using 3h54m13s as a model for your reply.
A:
1h47m43s
